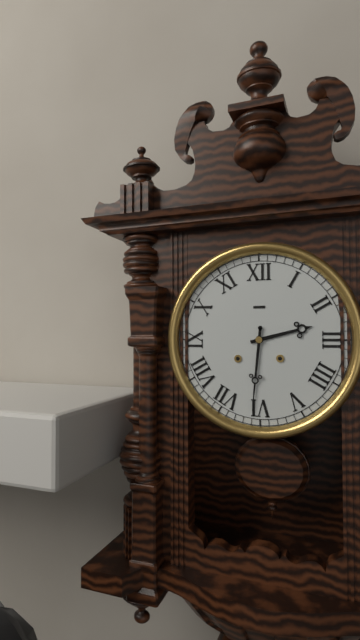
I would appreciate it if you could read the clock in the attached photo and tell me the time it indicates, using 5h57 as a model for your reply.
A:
2h31
